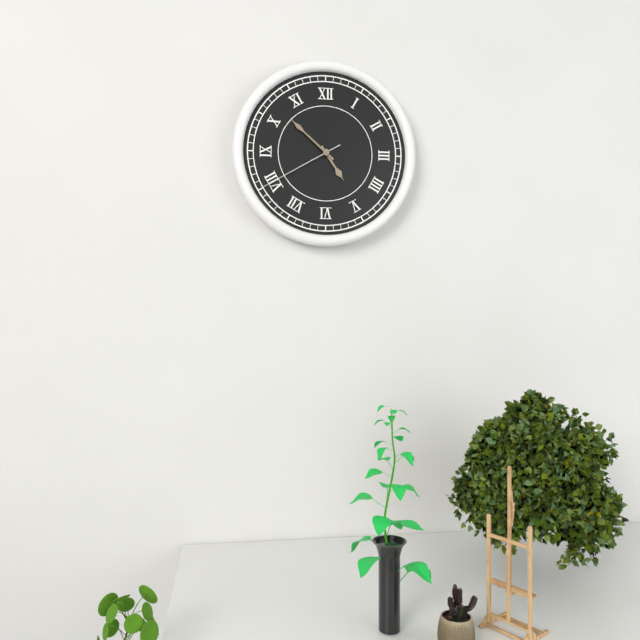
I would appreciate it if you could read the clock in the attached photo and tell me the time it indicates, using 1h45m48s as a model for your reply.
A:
4h52m40s
